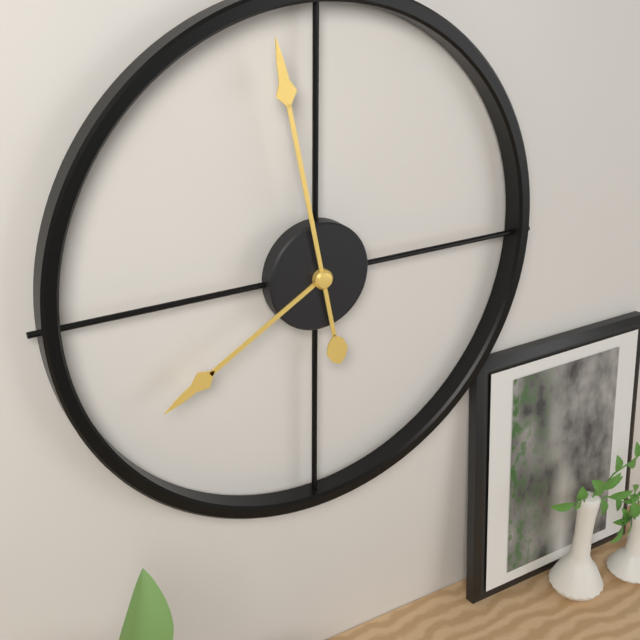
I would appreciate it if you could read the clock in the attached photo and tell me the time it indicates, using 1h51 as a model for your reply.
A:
7h58
